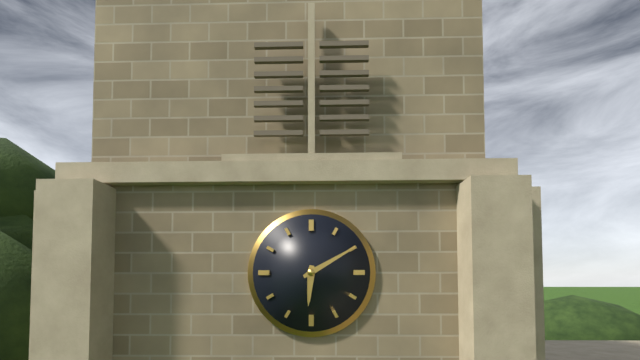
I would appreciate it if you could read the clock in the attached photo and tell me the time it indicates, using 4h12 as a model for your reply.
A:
6h10
